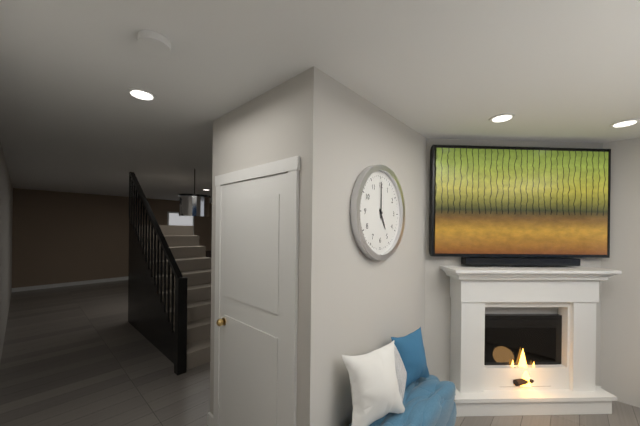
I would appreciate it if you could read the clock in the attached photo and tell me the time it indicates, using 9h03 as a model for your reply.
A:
5h00
